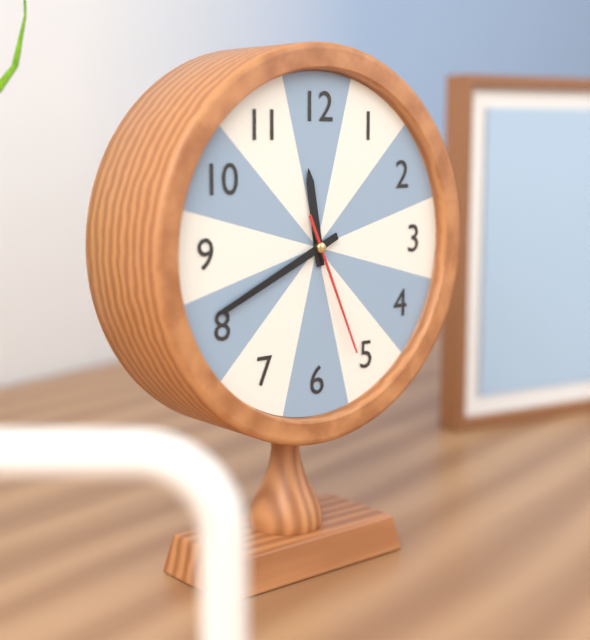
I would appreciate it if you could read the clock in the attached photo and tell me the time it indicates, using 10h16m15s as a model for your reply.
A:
11h41m26s
